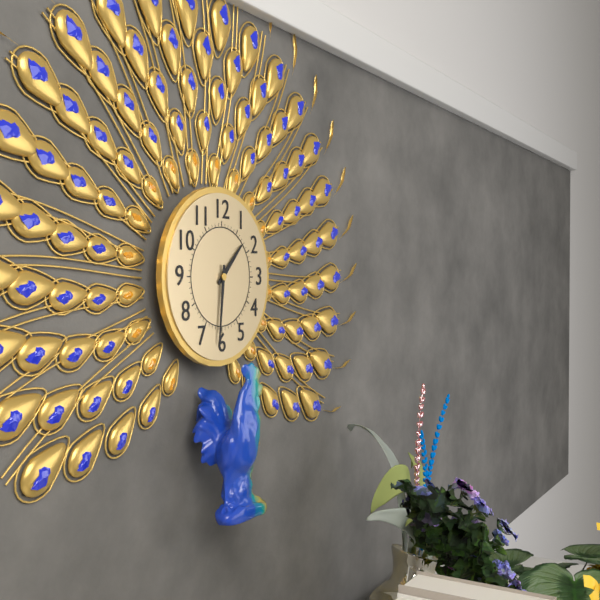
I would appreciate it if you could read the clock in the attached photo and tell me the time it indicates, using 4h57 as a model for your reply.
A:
1h31
